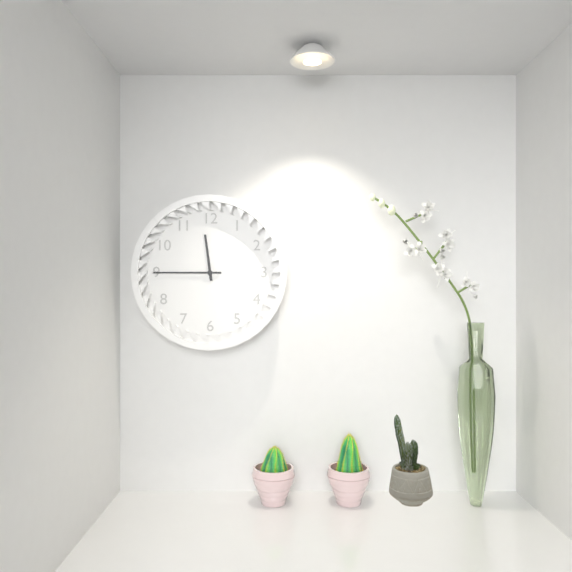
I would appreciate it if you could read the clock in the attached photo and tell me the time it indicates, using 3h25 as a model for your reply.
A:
11h45
